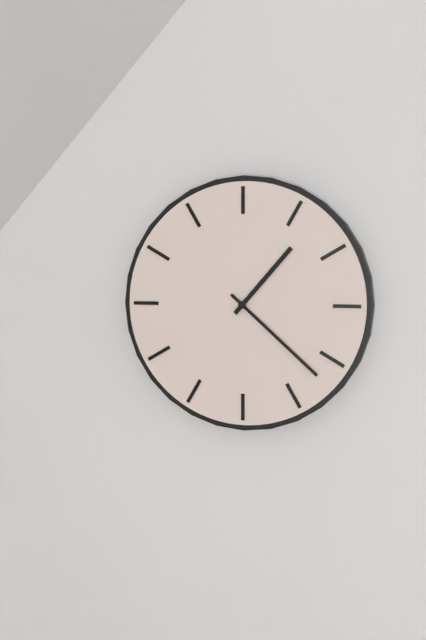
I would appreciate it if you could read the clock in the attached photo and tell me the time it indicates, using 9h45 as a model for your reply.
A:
1h22
